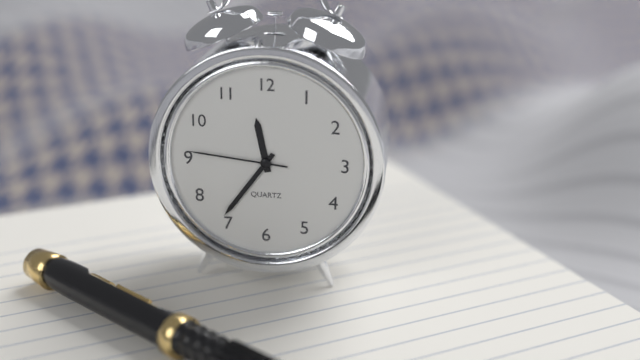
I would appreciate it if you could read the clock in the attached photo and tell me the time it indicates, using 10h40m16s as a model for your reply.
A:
11h36m46s
